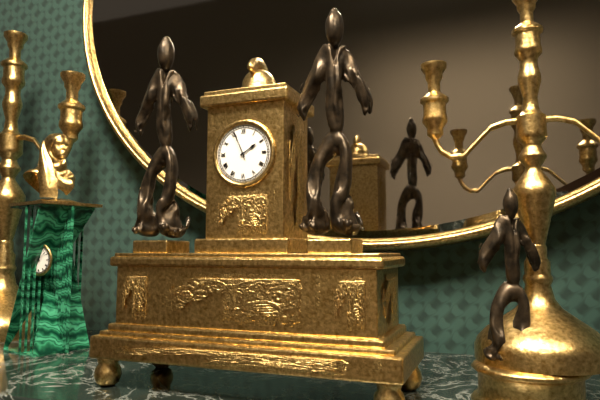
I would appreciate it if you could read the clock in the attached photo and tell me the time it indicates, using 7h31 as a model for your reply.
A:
1h56
